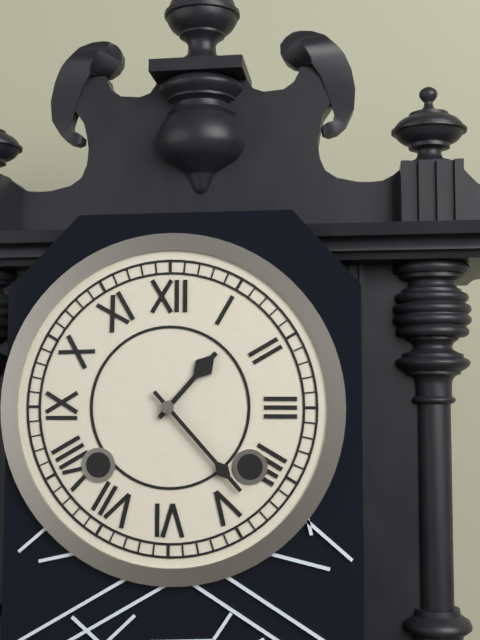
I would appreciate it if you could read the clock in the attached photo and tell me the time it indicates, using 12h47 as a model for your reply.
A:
1h23
